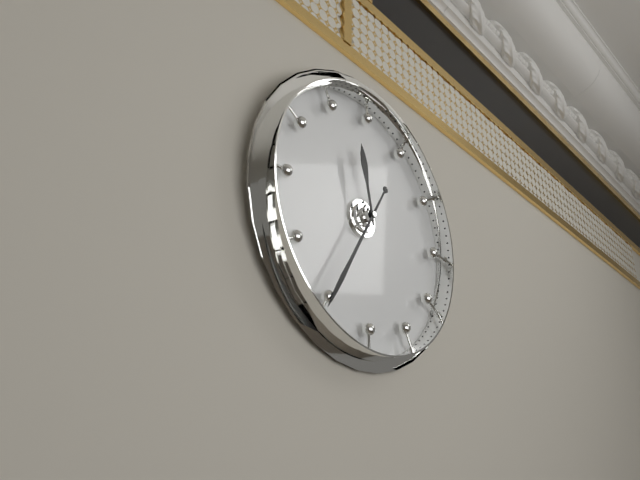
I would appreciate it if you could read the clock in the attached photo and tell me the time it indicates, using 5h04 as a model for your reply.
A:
11h35
